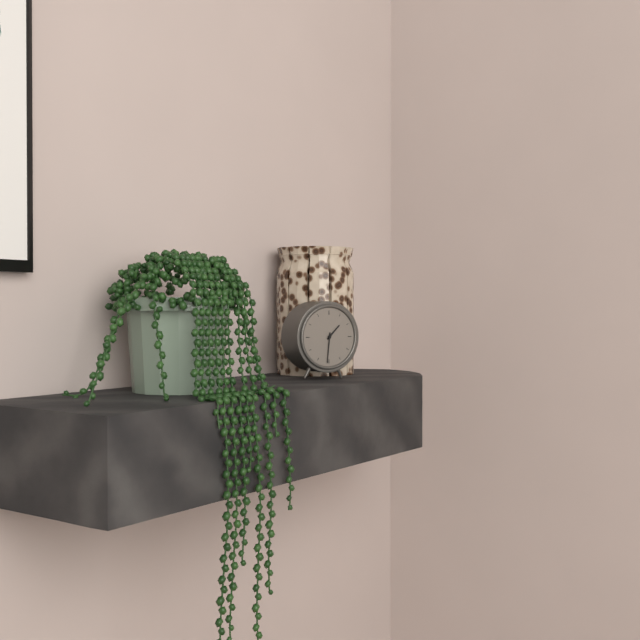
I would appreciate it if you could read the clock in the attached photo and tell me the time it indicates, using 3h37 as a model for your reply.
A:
1h31
